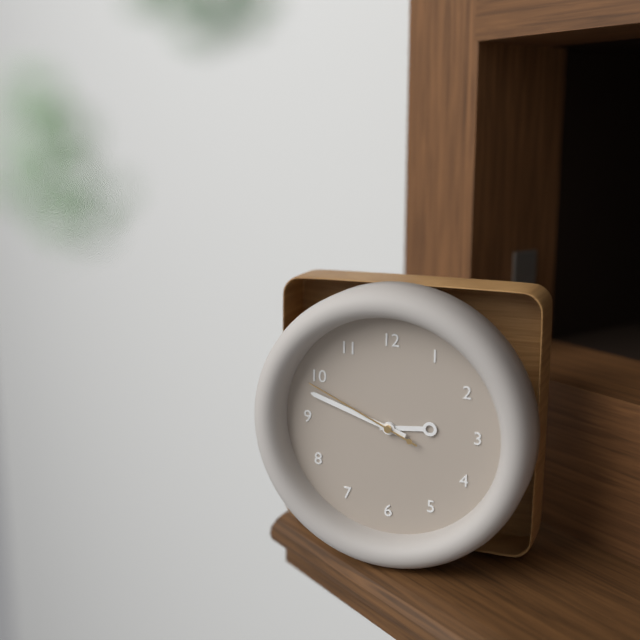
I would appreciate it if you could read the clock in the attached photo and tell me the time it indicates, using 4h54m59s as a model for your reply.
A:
2h48m49s
